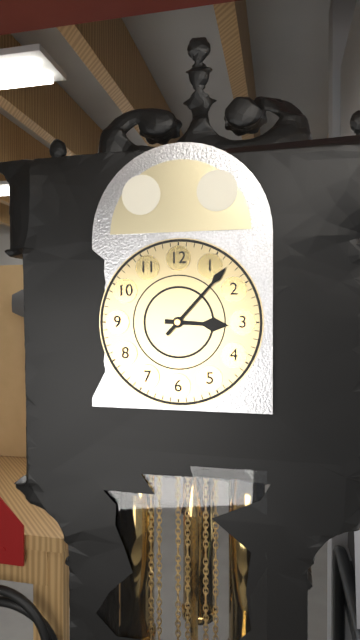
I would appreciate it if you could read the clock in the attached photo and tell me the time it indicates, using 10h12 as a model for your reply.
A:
3h07
